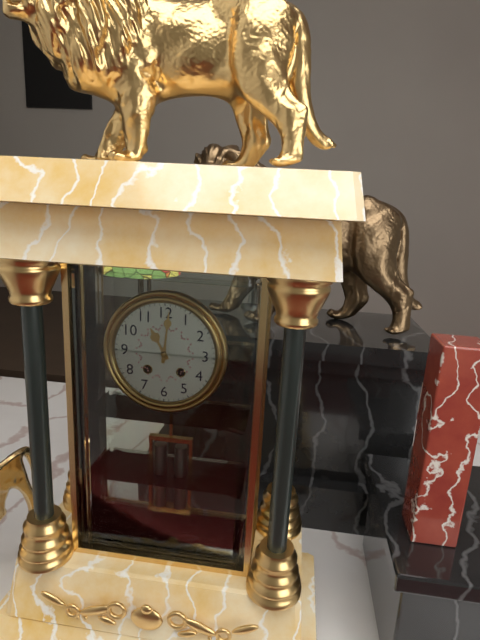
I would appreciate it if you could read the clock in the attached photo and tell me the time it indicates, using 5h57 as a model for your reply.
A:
11h01
